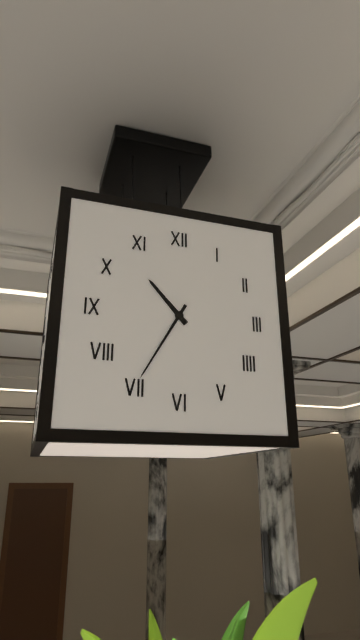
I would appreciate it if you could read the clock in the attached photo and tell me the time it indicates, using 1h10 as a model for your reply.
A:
10h35
